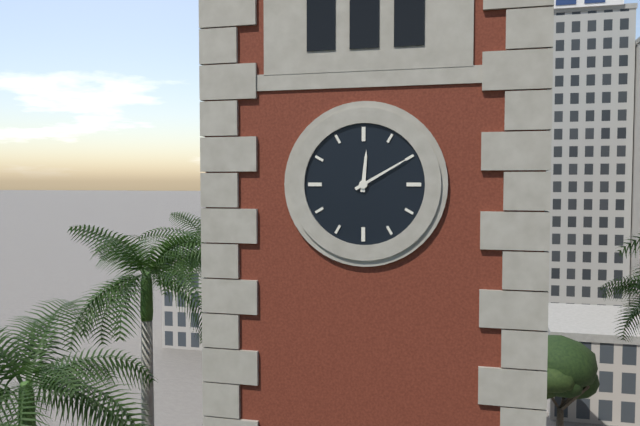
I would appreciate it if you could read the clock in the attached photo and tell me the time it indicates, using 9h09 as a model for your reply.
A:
12h10
